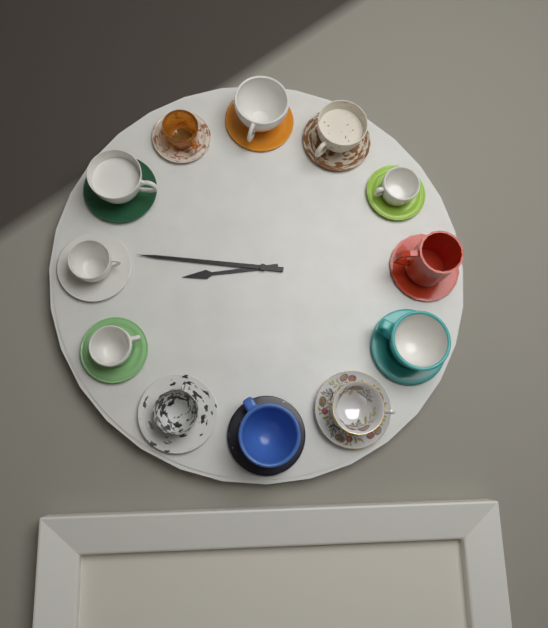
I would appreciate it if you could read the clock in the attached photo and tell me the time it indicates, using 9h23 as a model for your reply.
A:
8h46
